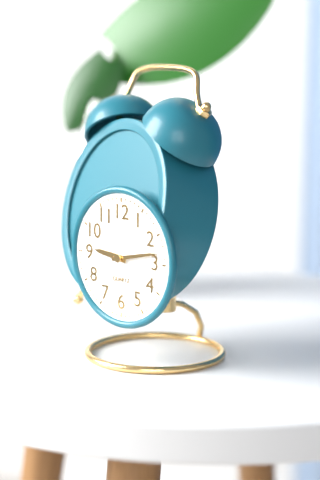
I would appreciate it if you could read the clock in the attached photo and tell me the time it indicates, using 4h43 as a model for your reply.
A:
9h13
